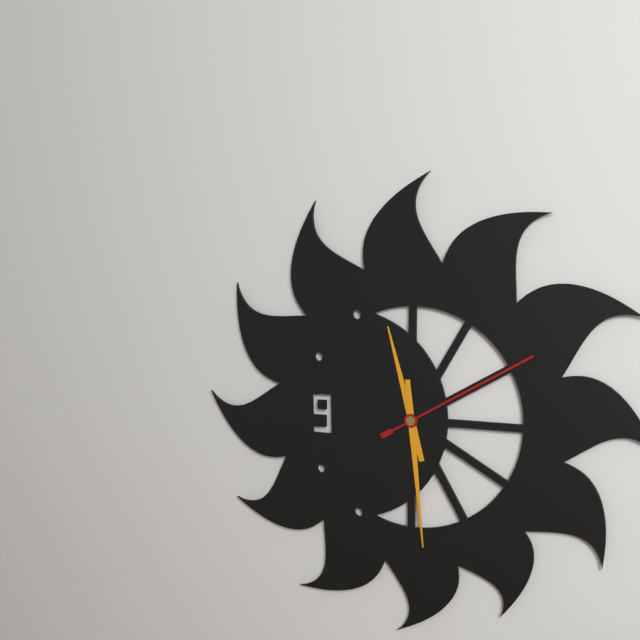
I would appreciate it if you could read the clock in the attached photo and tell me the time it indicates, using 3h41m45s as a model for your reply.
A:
11h29m10s
